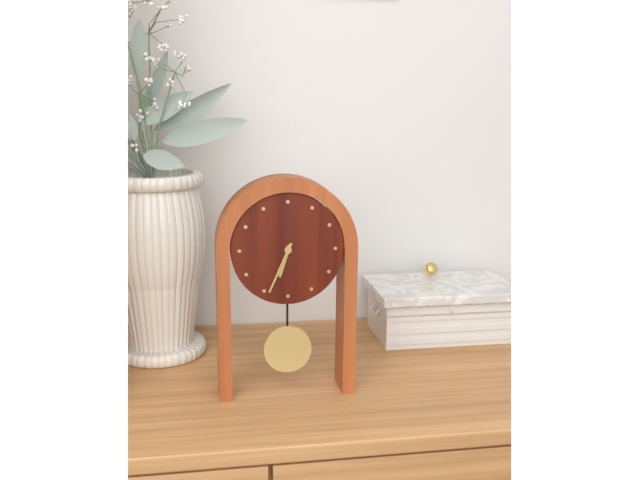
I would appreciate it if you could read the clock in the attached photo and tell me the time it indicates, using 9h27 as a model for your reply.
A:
6h34
